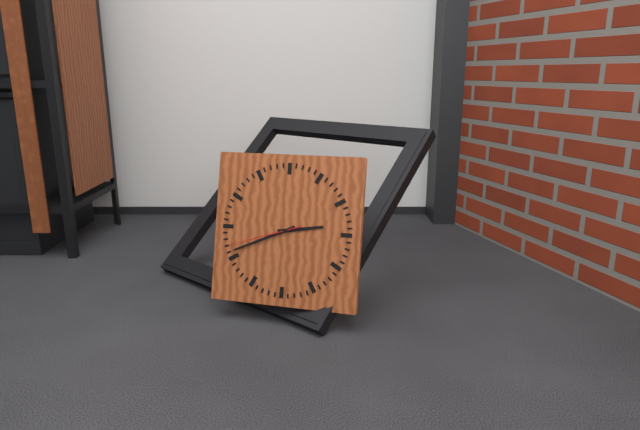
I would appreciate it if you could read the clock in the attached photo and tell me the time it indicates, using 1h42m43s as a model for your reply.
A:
2h41m42s
